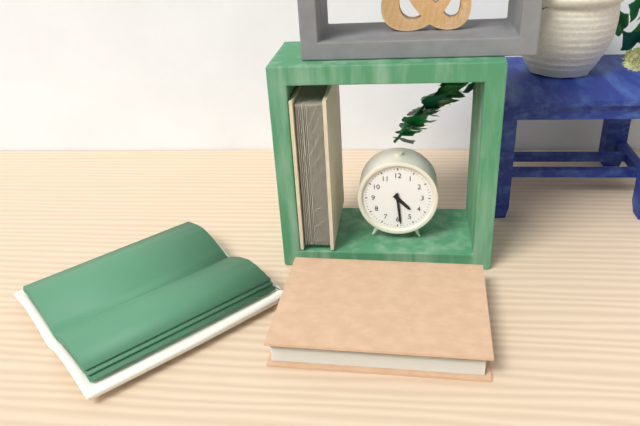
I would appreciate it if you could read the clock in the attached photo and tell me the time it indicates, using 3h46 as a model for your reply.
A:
4h29
